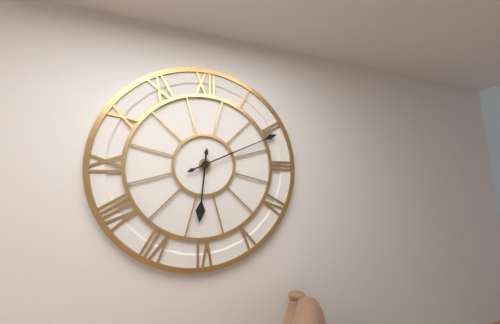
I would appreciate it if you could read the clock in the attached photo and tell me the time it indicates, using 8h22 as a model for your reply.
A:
6h11
